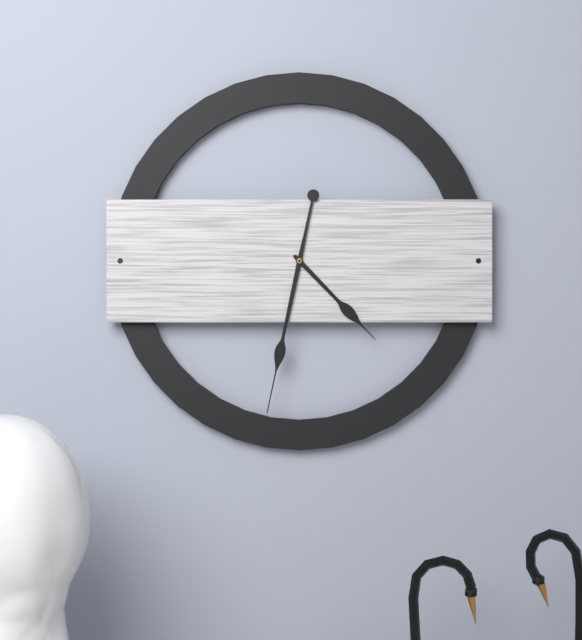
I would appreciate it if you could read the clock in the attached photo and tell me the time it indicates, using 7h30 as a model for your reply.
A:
4h32
